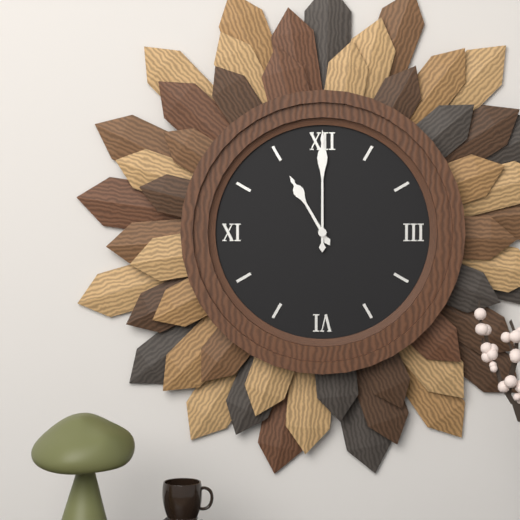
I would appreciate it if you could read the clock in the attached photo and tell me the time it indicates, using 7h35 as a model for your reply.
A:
11h00
